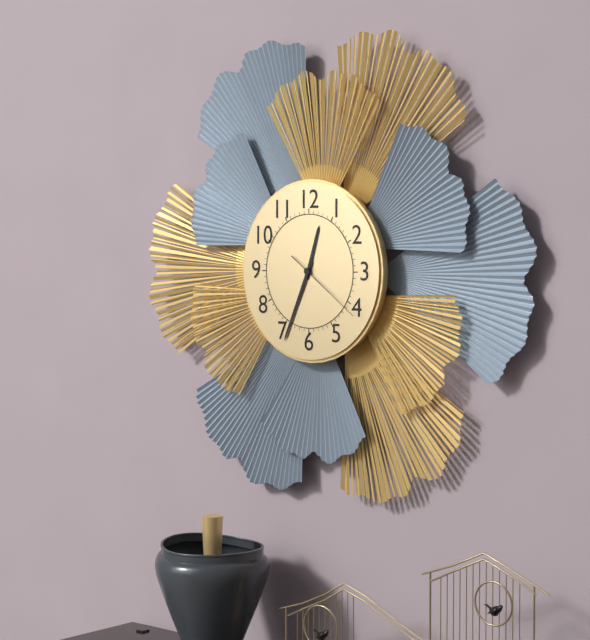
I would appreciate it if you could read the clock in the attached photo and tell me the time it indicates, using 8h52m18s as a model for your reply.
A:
12h34m21s
